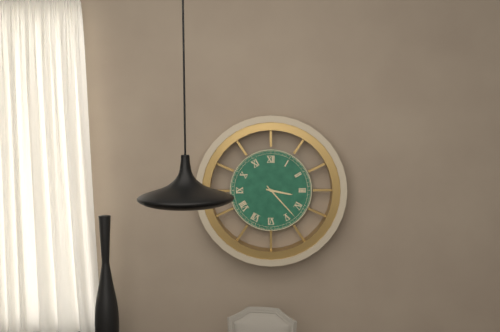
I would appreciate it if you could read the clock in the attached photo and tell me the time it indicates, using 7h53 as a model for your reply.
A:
3h23
